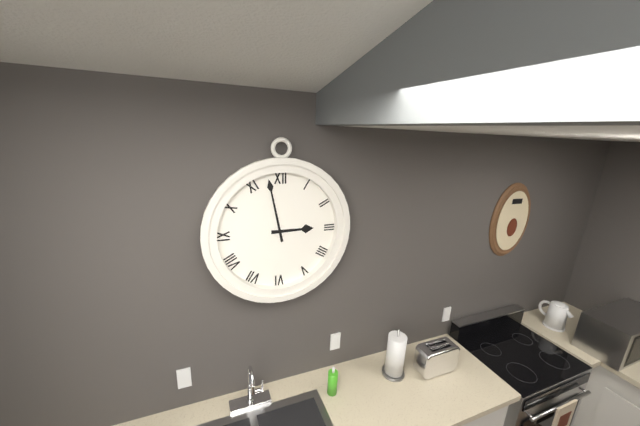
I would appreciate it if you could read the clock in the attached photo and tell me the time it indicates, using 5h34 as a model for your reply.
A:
2h58
